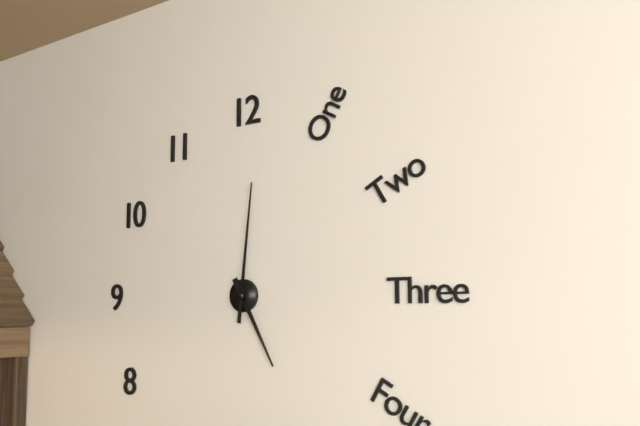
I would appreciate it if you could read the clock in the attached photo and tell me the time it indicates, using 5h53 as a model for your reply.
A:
5h01
